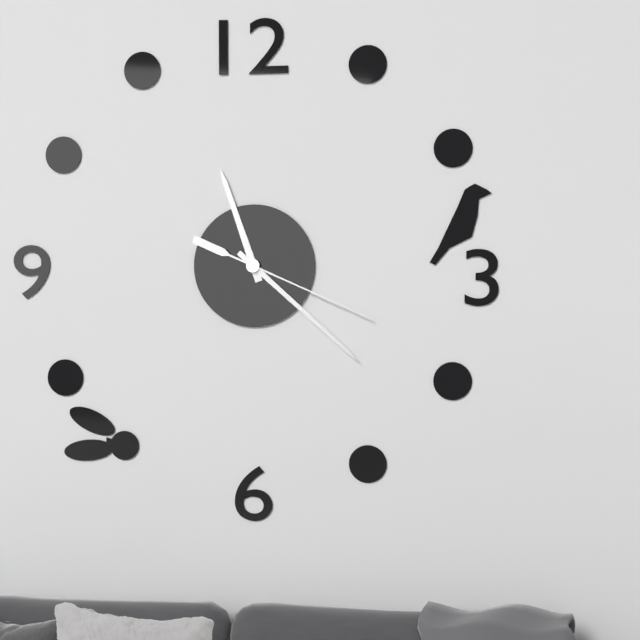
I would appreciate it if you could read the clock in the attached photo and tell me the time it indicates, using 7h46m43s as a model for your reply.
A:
11h22m19s
